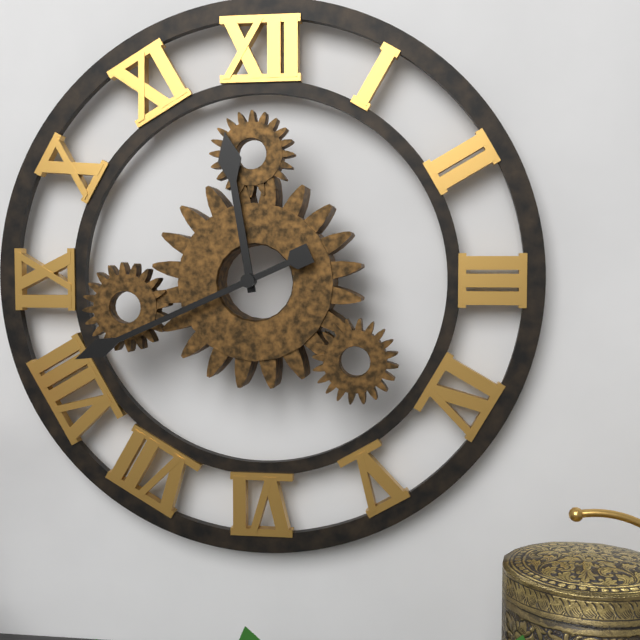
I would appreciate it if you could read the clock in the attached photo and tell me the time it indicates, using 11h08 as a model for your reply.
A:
11h41
